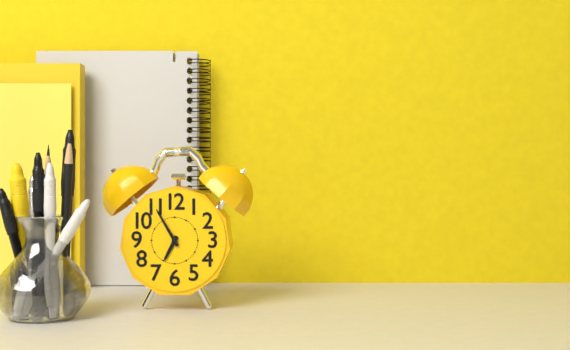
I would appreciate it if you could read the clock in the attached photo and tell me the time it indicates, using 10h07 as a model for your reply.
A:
6h55
